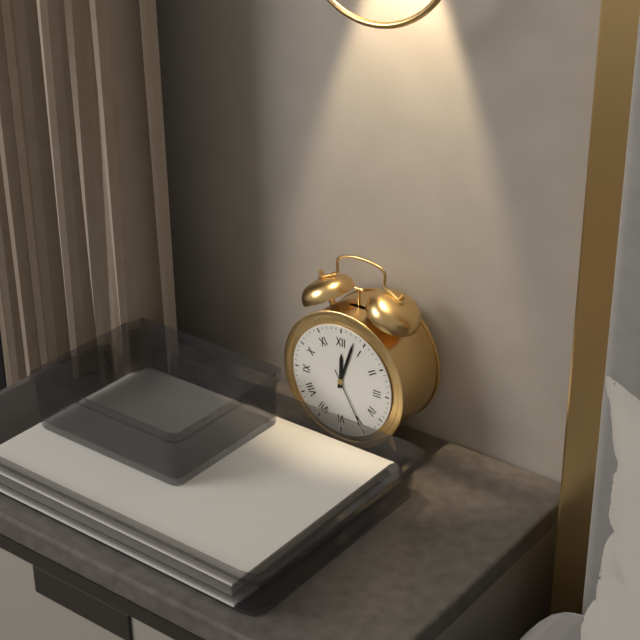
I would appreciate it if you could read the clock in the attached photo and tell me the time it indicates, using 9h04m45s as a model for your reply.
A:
12h03m25s
